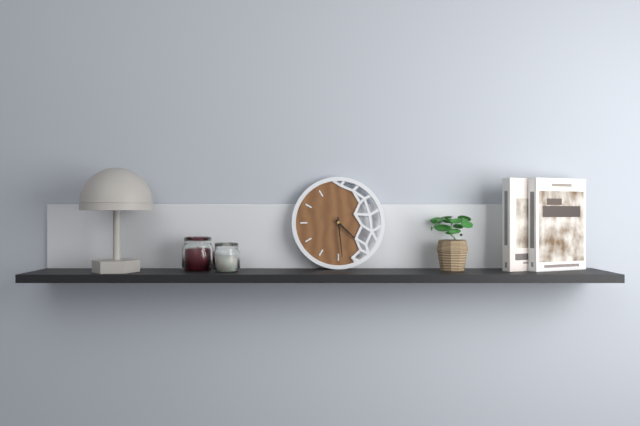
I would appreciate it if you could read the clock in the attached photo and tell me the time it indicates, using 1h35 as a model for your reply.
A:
4h29
